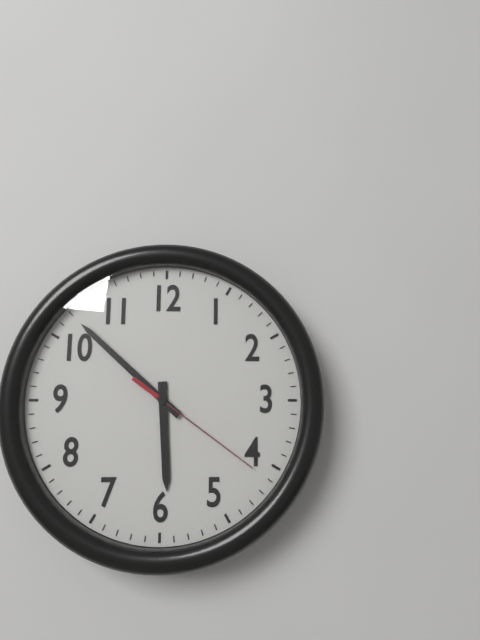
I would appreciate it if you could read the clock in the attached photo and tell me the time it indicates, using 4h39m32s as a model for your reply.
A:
5h52m21s
